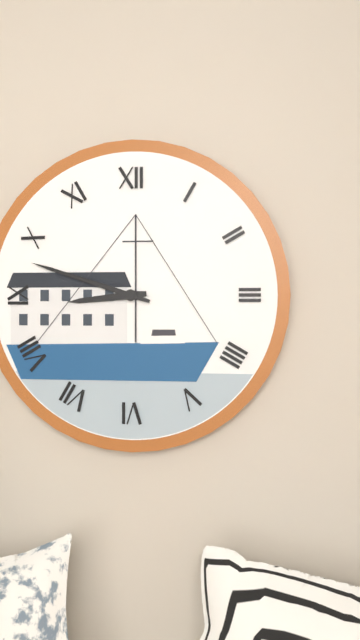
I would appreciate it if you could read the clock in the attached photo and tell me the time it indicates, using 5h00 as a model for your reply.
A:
8h48
